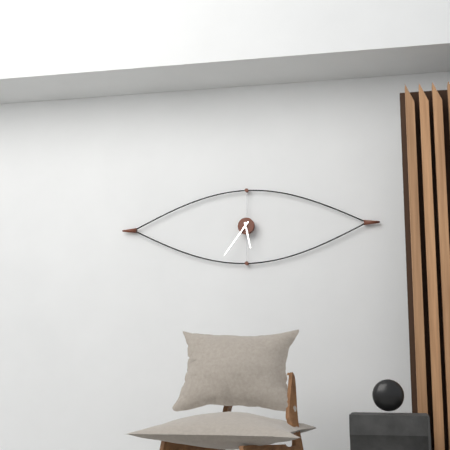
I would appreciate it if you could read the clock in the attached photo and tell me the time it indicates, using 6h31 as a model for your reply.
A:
5h36
